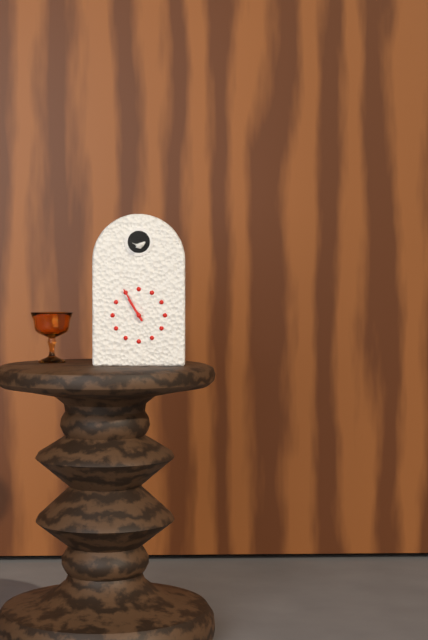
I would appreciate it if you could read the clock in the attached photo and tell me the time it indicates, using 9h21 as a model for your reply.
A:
10h55
